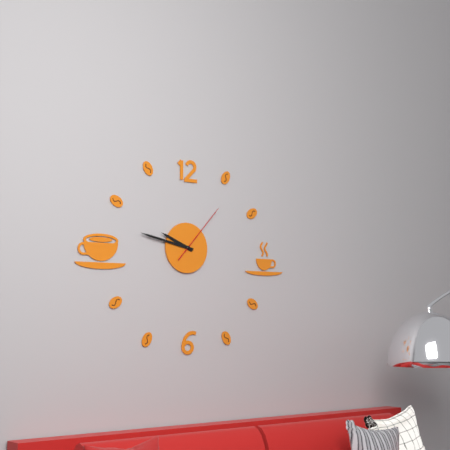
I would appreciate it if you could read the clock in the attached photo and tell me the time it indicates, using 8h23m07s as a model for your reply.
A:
9h47m07s
